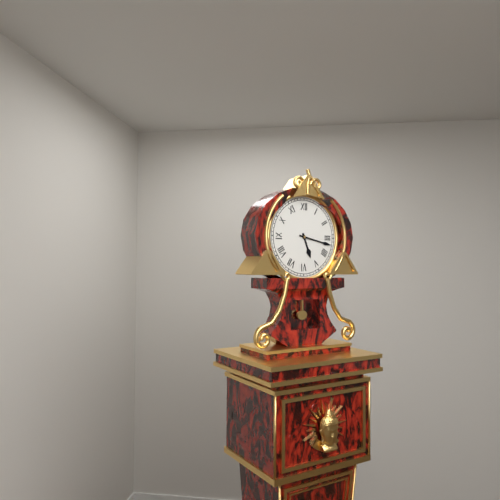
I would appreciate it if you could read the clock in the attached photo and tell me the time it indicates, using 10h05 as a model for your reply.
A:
5h17
